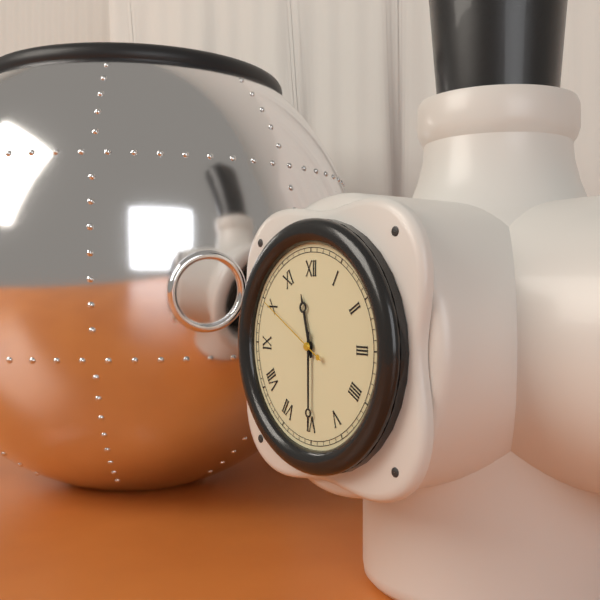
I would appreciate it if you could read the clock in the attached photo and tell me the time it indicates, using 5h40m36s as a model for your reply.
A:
11h30m50s
